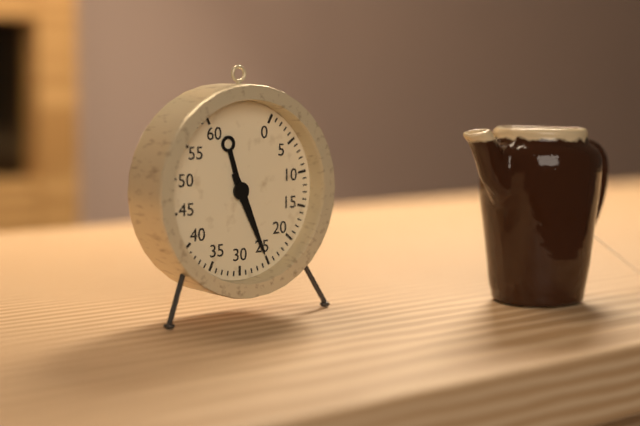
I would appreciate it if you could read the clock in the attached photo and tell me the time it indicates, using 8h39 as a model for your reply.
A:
11h26
